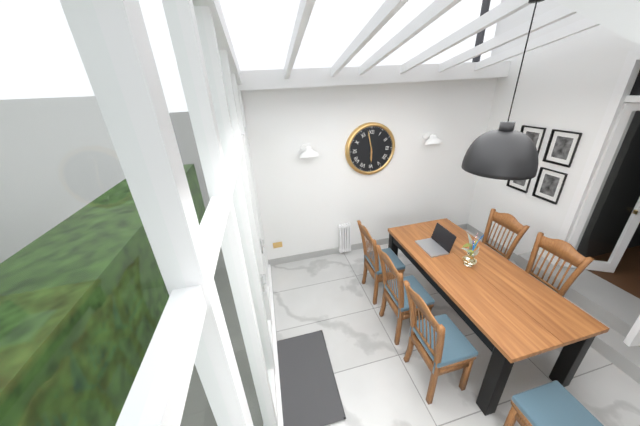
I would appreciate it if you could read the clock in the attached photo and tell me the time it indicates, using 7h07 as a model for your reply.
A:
5h58
